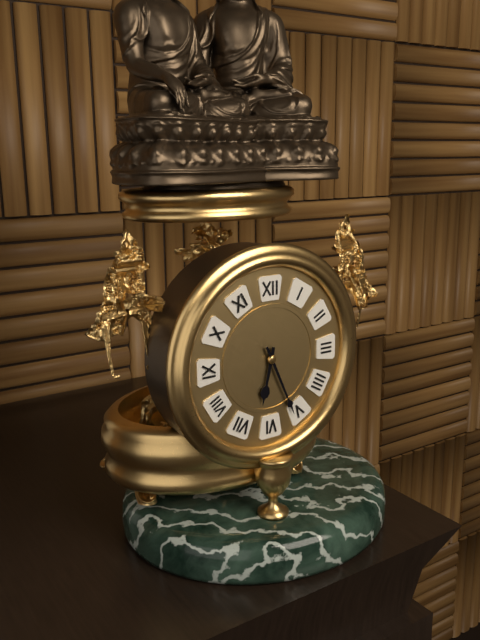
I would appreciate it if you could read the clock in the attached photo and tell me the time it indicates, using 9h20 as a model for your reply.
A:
6h26
